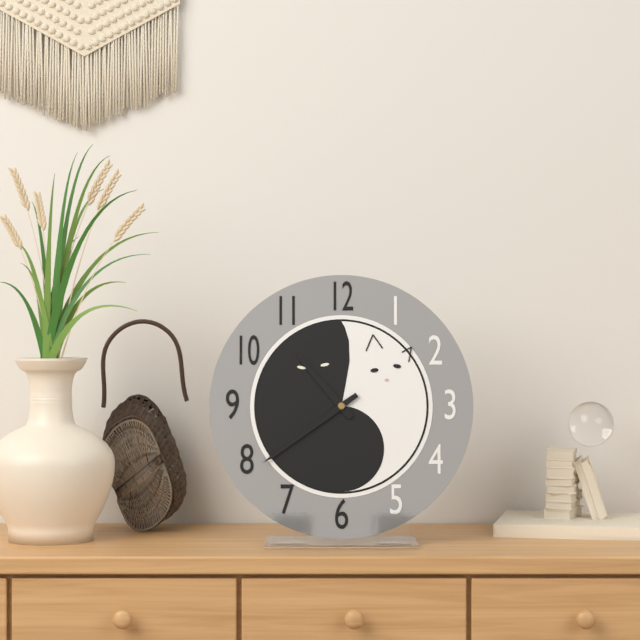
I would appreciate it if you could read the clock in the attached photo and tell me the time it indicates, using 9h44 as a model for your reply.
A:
10h39
